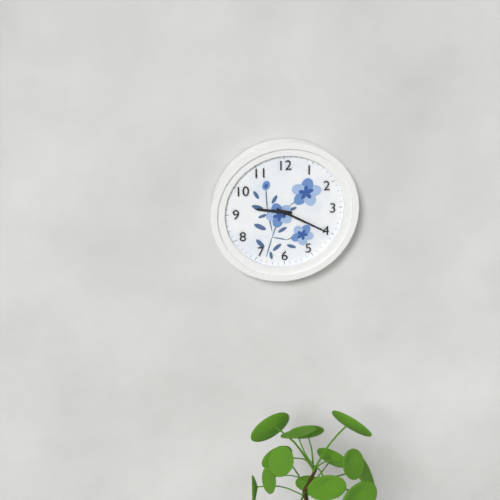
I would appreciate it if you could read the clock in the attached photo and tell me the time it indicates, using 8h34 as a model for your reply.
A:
9h20
